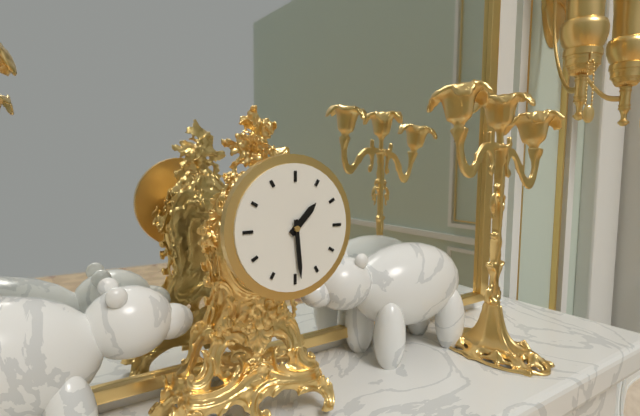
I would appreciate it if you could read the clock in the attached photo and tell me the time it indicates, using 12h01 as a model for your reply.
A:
1h29
